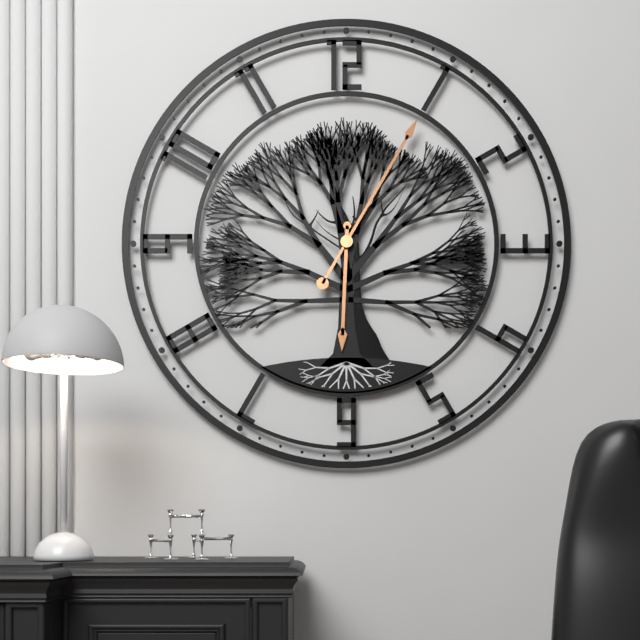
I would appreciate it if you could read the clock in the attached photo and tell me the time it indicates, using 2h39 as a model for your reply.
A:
6h05
